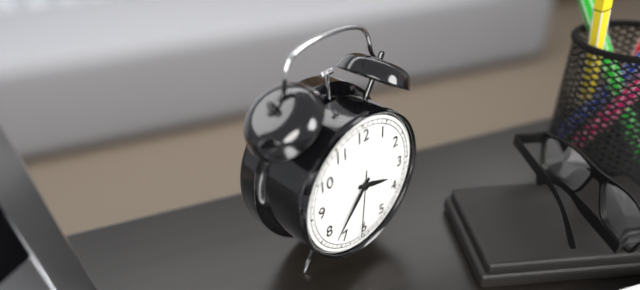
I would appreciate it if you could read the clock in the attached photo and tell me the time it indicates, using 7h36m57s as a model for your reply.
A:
3h37m31s
